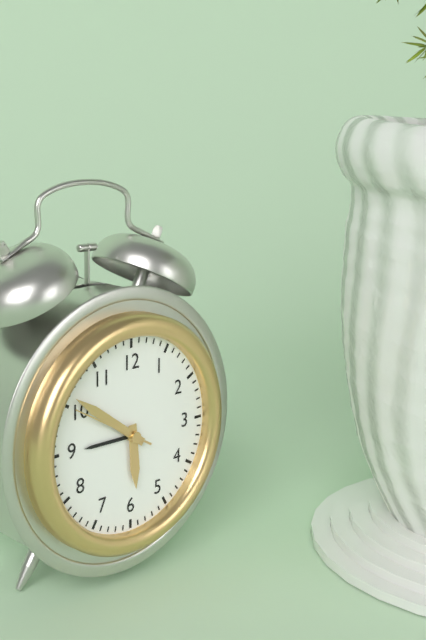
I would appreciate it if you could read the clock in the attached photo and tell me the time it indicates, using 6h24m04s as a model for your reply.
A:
5h51m50s
